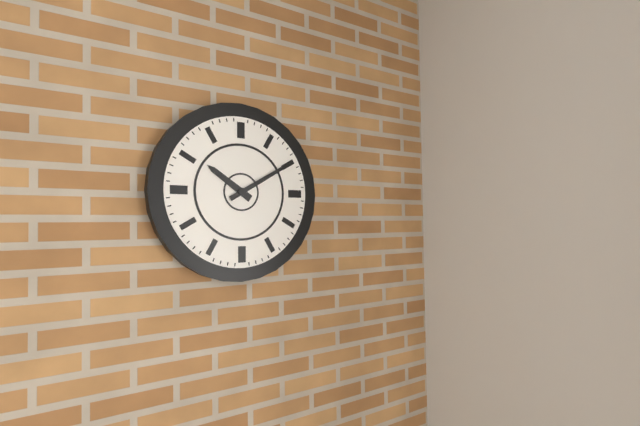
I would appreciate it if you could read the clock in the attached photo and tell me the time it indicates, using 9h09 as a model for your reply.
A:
10h10
